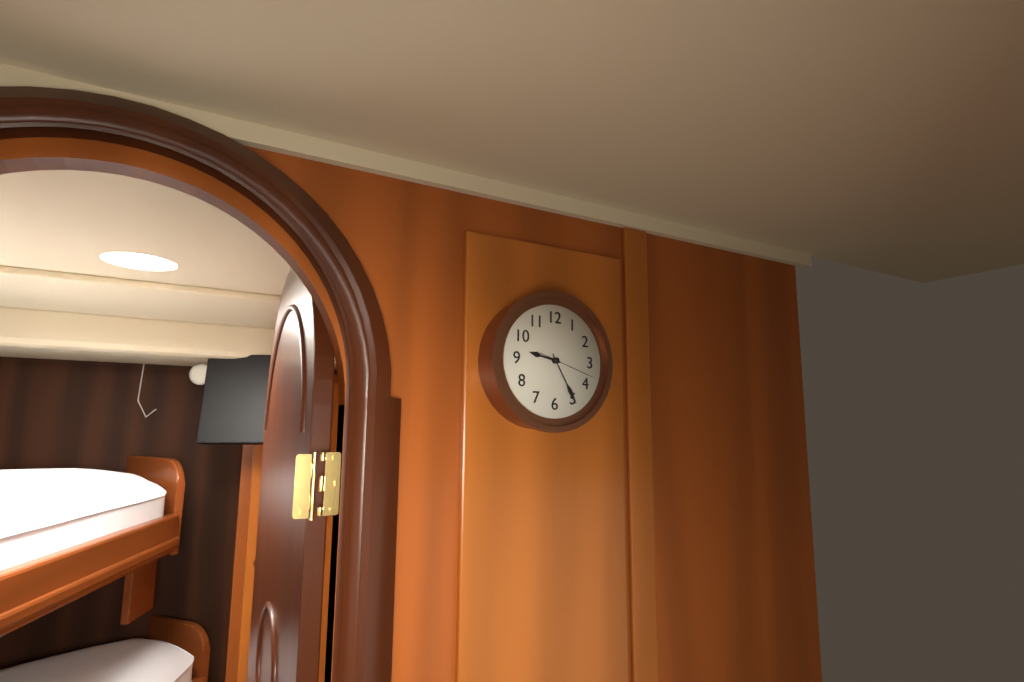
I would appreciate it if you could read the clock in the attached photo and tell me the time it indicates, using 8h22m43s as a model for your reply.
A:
9h25m18s
